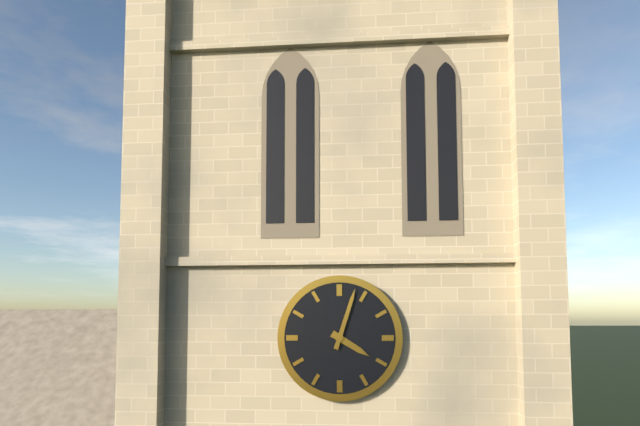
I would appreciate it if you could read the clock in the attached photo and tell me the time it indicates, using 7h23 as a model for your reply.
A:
4h03
